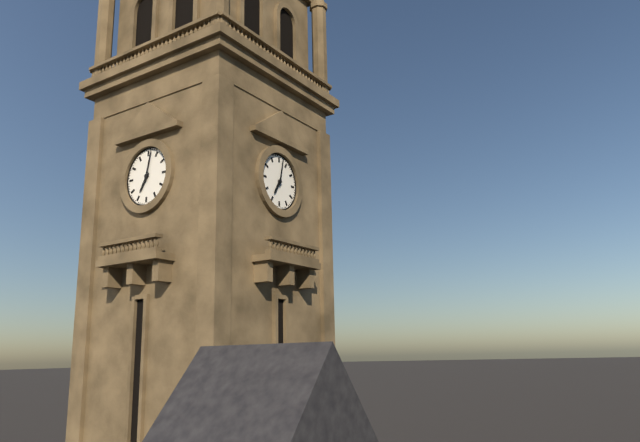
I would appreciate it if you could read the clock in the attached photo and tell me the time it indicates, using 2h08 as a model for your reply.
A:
7h02
